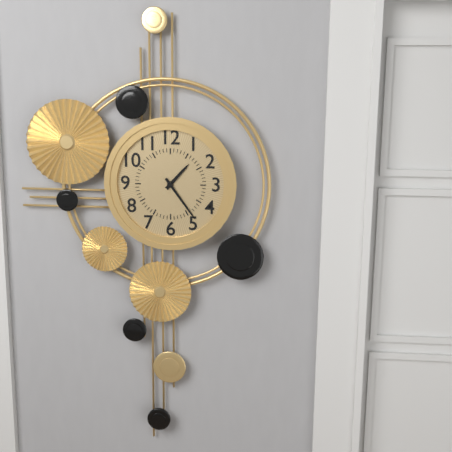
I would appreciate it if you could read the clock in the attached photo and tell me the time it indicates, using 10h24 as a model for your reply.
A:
1h24
